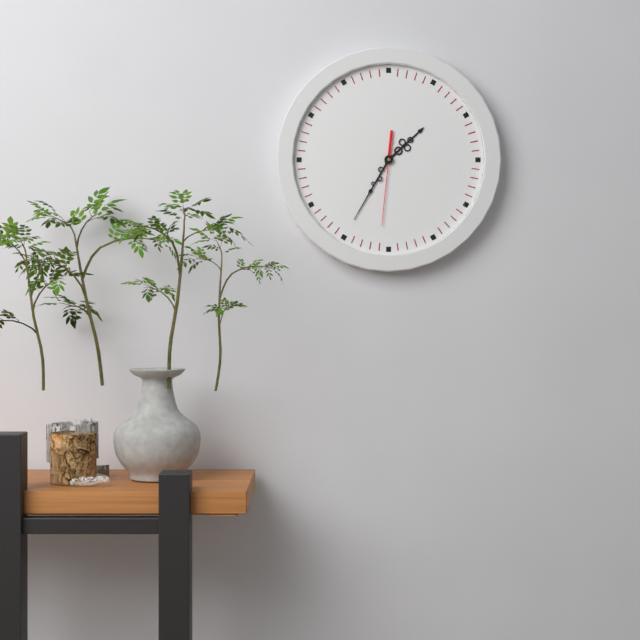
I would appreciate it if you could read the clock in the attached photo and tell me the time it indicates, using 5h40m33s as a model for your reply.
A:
1h35m31s
